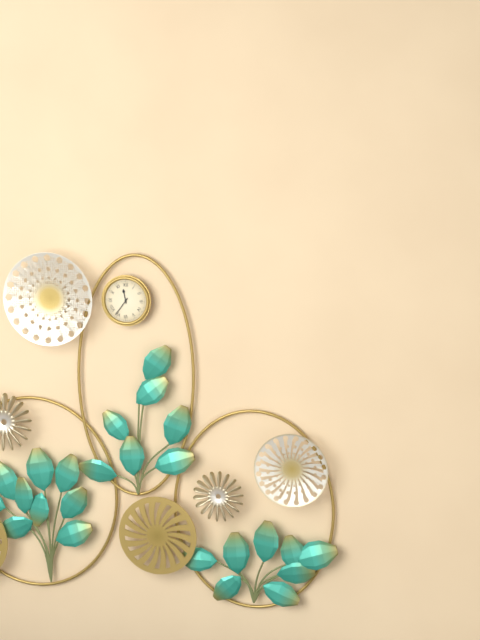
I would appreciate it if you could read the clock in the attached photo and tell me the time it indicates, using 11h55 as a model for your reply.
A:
11h36
